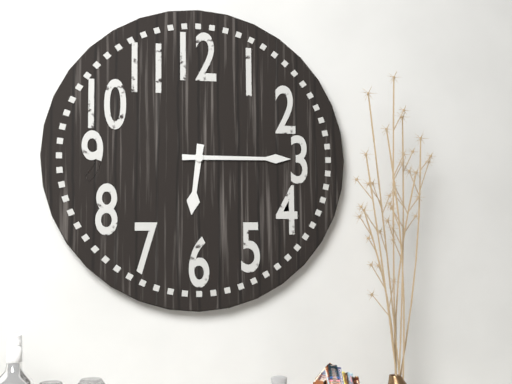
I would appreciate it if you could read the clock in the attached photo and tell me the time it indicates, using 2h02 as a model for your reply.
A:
6h15
